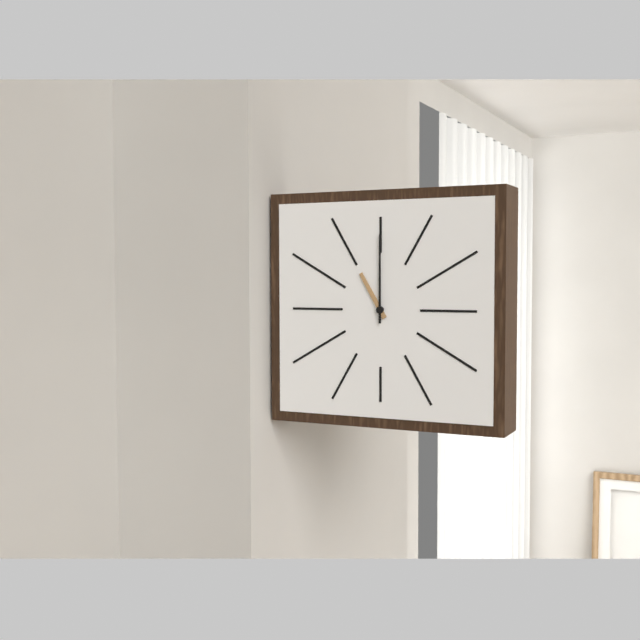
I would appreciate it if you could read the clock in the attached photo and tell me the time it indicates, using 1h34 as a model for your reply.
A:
11h00
